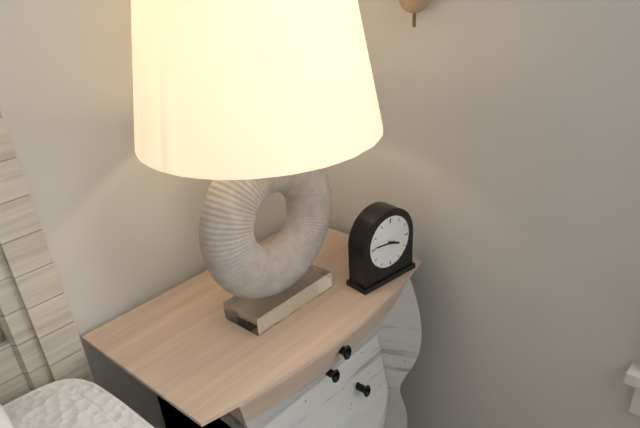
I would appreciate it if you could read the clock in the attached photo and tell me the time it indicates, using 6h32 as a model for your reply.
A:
3h46
